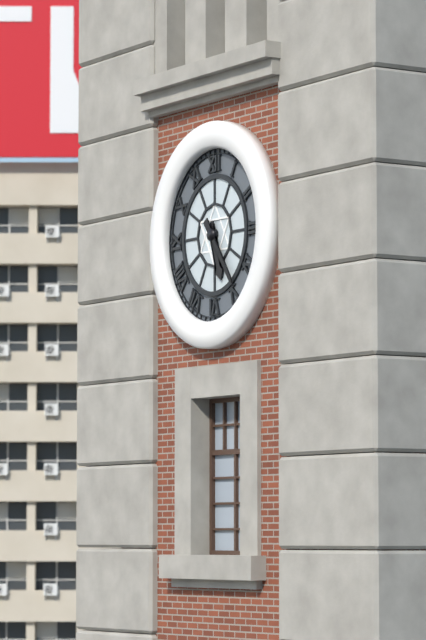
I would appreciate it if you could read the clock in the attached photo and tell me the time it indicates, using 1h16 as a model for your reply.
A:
5h24
